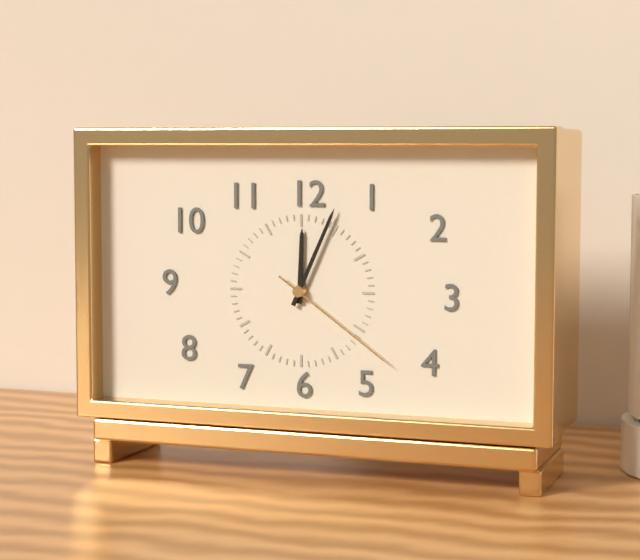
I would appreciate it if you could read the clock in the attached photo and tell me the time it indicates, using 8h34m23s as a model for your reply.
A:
12h04m21s
